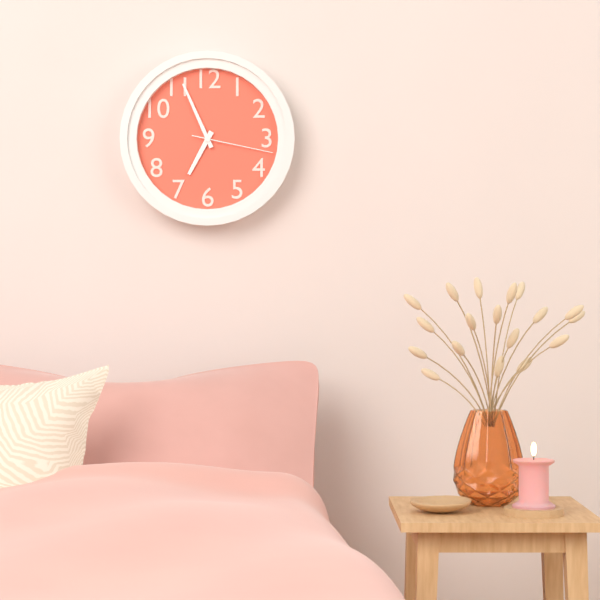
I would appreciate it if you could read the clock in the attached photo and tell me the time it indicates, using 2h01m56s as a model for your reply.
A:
6h56m17s
